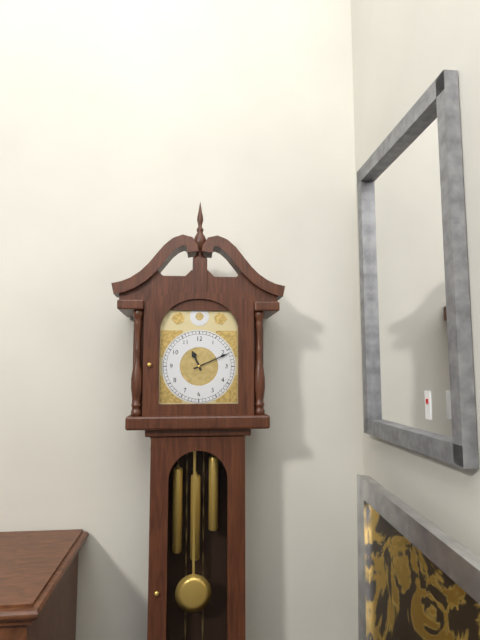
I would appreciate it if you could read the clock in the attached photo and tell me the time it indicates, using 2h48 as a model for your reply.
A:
11h11
